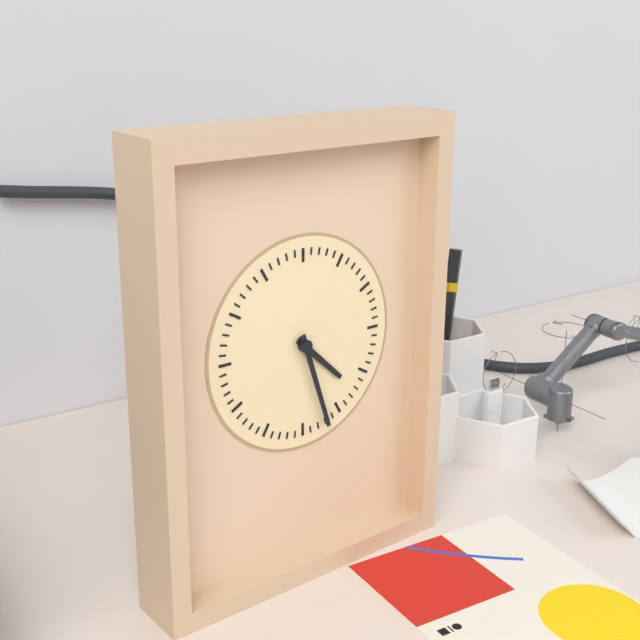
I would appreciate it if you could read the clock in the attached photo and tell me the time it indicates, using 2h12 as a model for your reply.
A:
4h27
